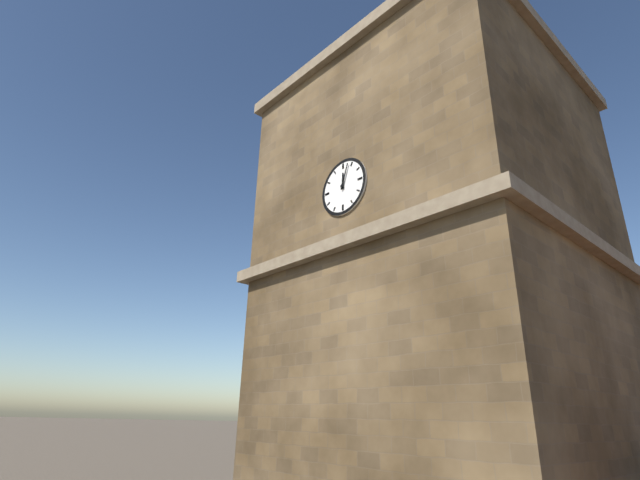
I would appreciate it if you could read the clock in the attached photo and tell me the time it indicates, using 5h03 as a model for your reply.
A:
12h03
